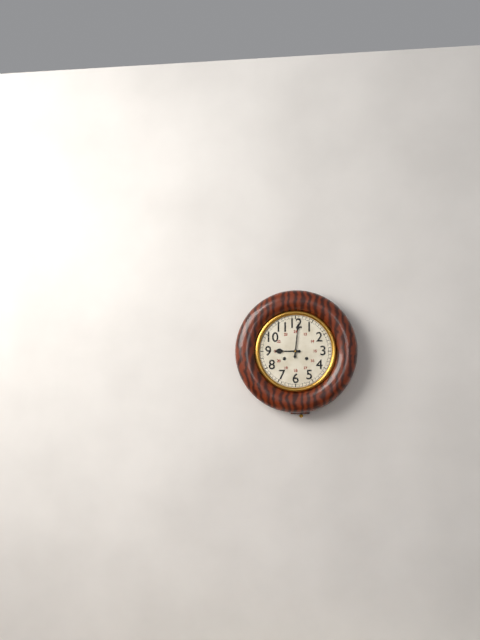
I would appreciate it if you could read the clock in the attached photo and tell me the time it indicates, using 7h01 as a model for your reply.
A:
9h01
